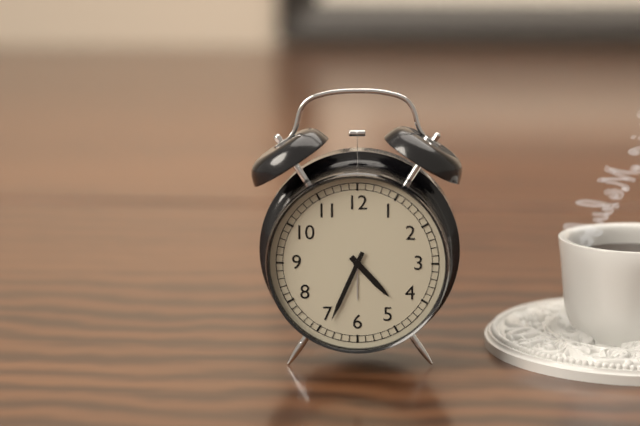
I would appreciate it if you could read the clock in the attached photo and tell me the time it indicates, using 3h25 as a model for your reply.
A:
4h34
